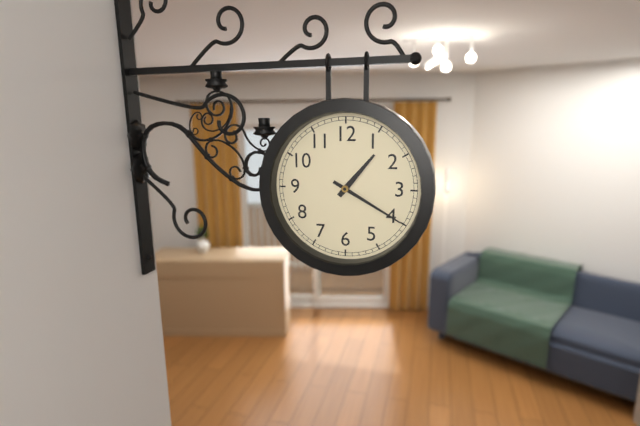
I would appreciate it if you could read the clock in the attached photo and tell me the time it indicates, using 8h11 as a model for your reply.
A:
1h20
